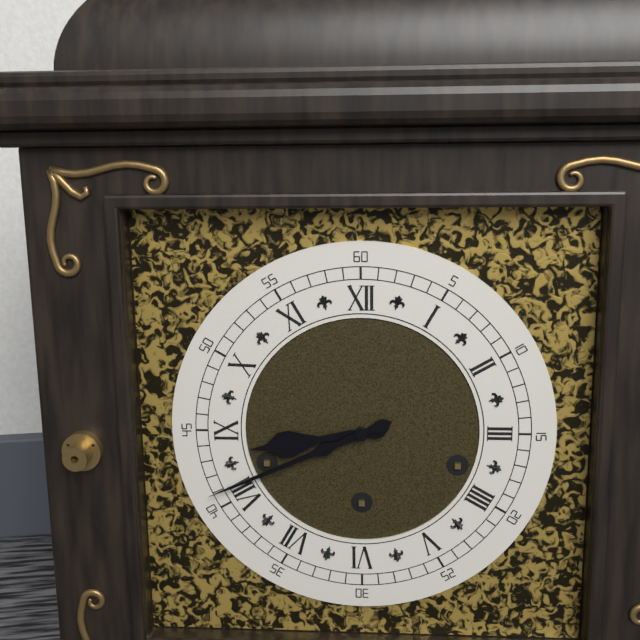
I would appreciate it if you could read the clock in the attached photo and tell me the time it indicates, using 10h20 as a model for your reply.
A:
8h41
